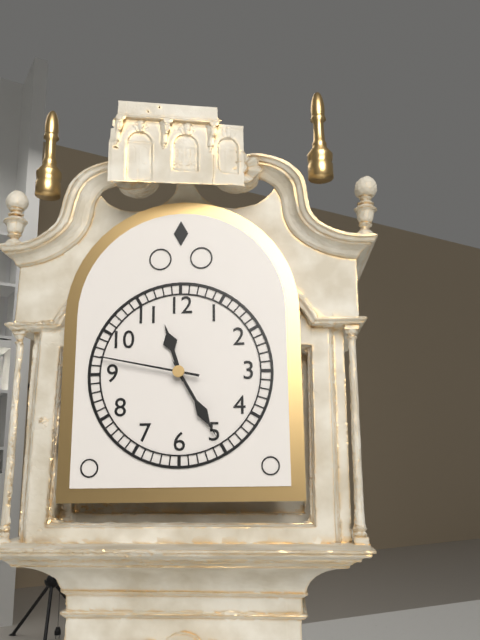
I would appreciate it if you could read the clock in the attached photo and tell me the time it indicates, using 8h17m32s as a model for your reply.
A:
11h25m47s
